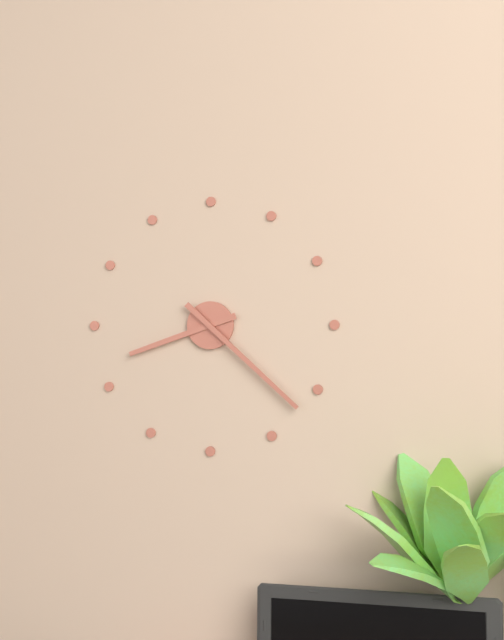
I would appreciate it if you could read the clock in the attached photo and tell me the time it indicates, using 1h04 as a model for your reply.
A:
8h22
